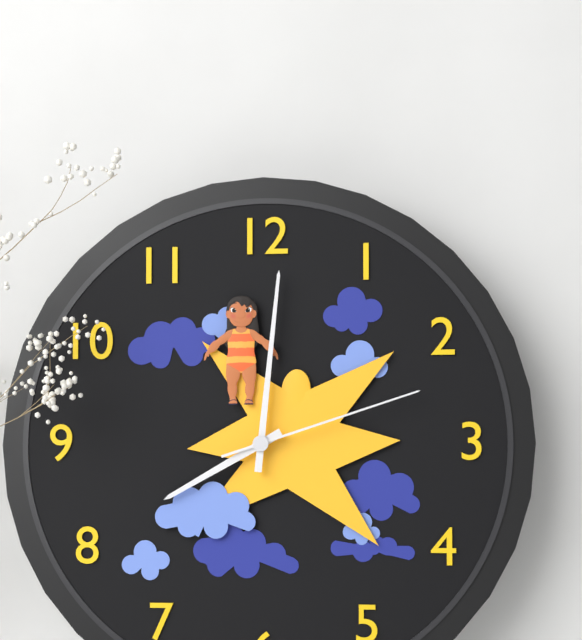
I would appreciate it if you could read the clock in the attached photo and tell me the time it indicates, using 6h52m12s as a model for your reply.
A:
8h01m12s
